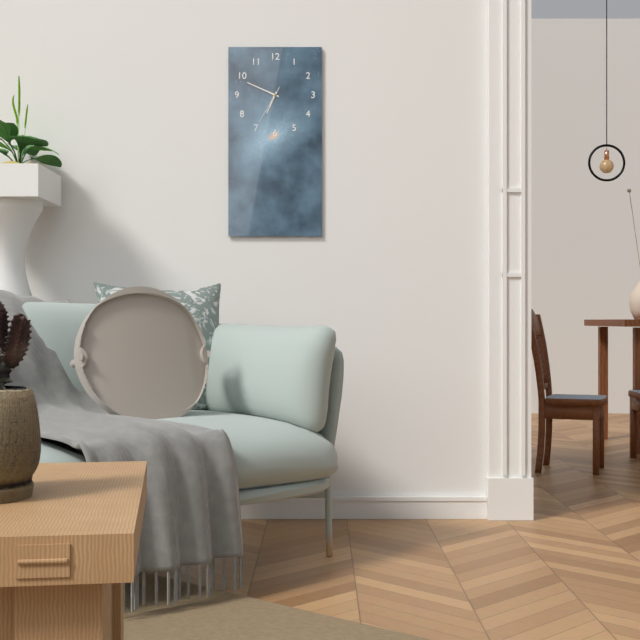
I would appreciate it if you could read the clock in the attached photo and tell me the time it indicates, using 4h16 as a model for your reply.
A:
6h49
